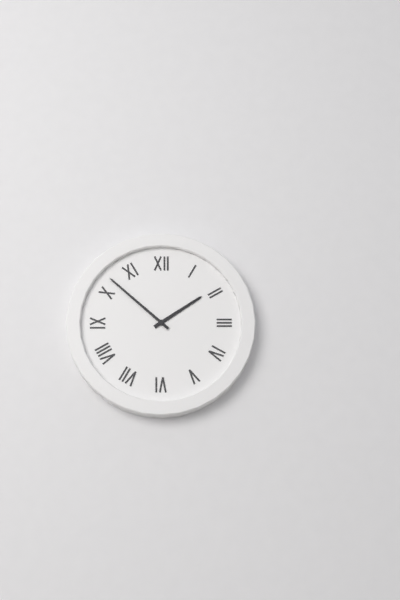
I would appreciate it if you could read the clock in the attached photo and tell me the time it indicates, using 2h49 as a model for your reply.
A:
1h52
